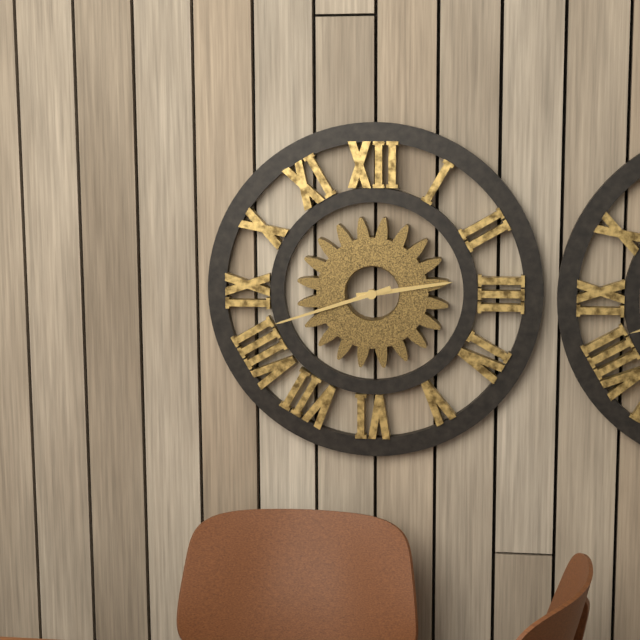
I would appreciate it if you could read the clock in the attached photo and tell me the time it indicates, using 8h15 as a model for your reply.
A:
2h42
